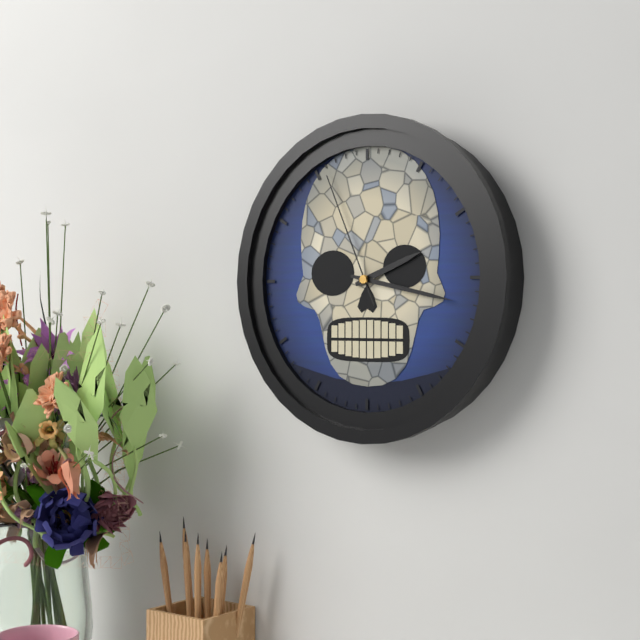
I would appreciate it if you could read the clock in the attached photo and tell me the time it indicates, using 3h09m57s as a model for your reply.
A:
2h17m56s
